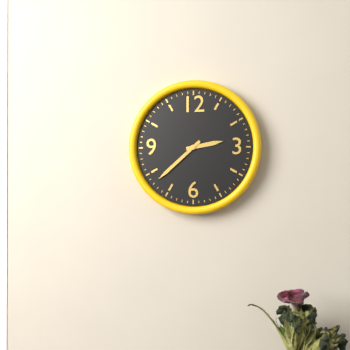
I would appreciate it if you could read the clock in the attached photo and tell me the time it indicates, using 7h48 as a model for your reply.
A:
2h38
